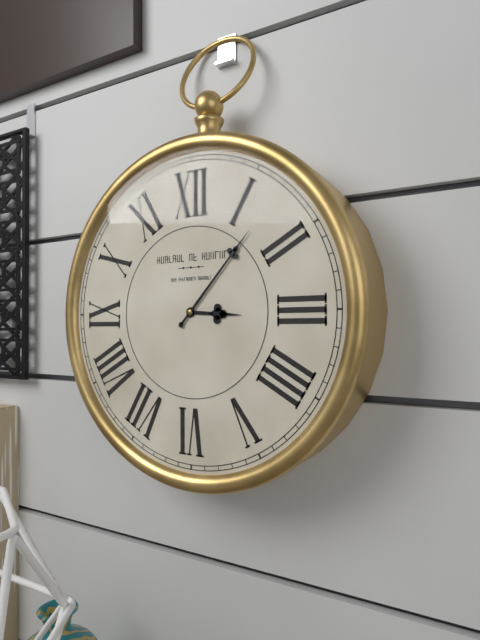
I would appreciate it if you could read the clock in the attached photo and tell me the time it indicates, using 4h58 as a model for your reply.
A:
3h07
